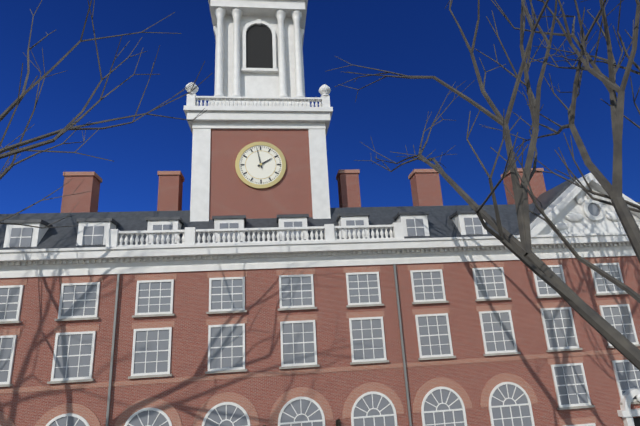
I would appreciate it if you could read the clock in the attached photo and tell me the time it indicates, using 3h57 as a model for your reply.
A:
1h58
